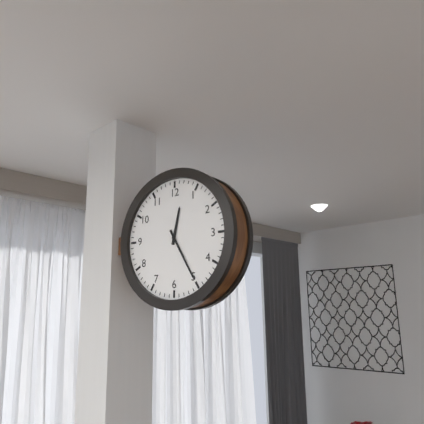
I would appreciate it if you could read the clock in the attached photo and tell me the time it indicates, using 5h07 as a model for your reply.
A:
12h25
